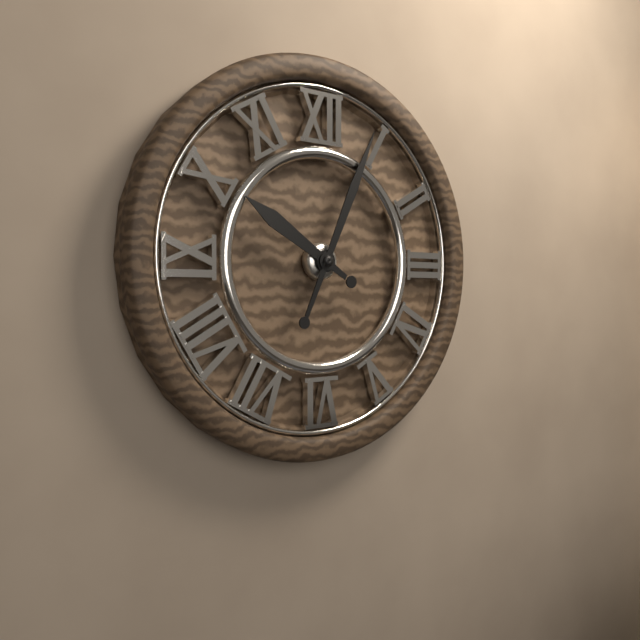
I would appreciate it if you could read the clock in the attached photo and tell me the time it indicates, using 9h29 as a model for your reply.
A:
10h04
